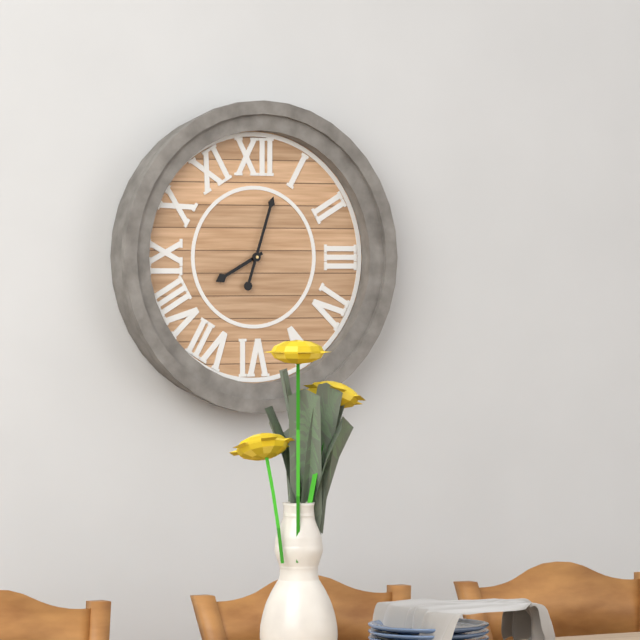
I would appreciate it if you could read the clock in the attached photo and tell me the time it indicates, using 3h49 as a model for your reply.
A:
8h03
